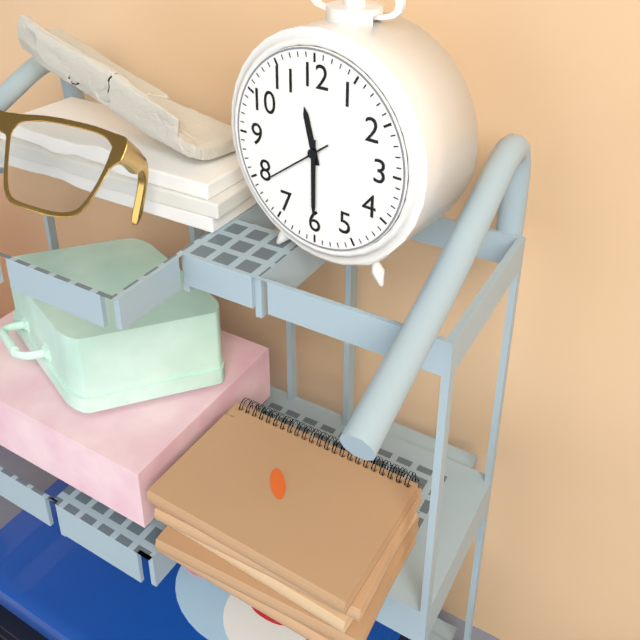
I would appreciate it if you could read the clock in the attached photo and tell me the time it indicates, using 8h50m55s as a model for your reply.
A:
11h30m39s
